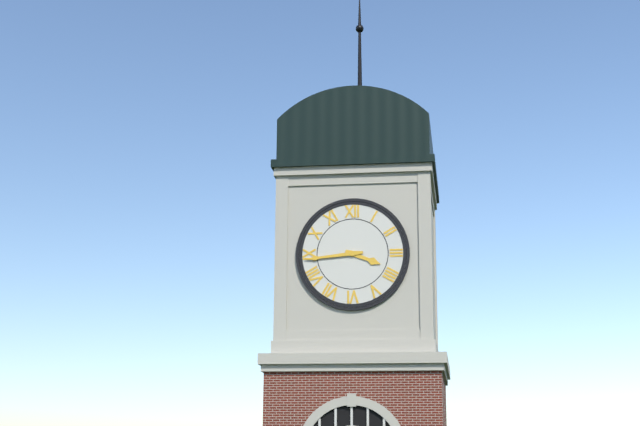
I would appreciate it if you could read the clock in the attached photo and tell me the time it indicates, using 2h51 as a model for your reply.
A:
3h44
